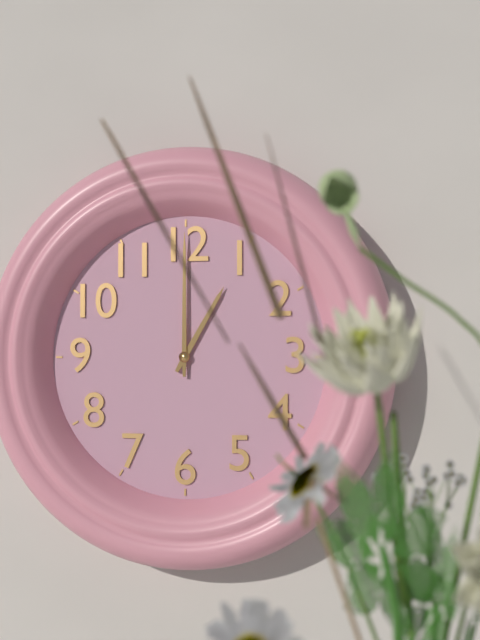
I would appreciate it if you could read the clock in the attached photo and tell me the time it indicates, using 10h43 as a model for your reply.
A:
1h00
